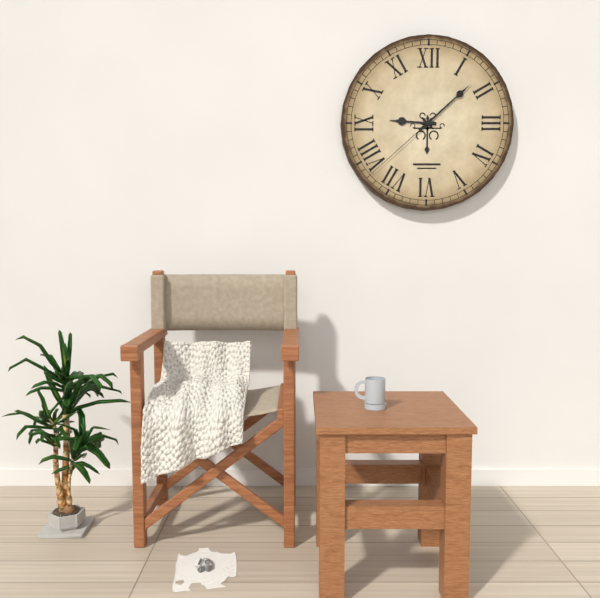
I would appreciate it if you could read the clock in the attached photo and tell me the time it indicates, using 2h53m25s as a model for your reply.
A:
9h08m38s
